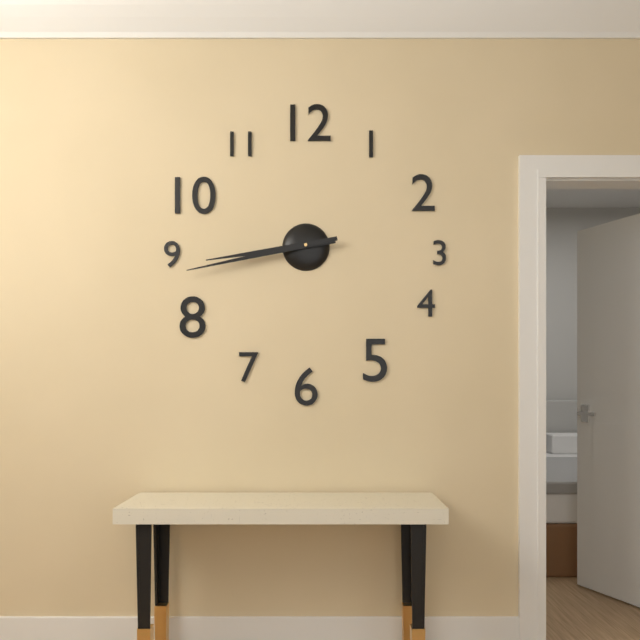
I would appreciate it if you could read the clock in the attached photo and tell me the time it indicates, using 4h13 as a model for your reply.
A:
8h43
